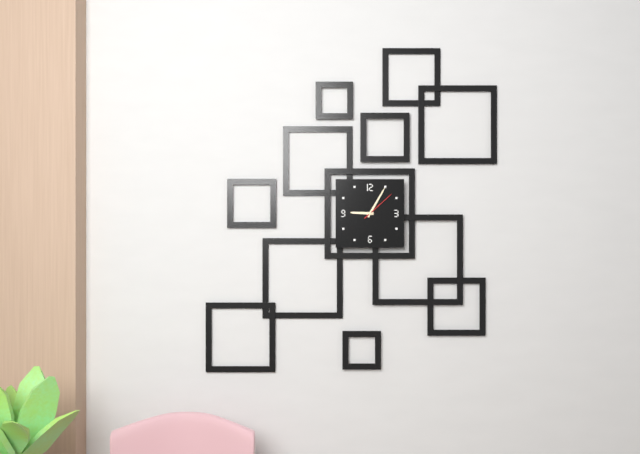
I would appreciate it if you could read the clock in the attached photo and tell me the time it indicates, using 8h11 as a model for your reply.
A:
9h05
